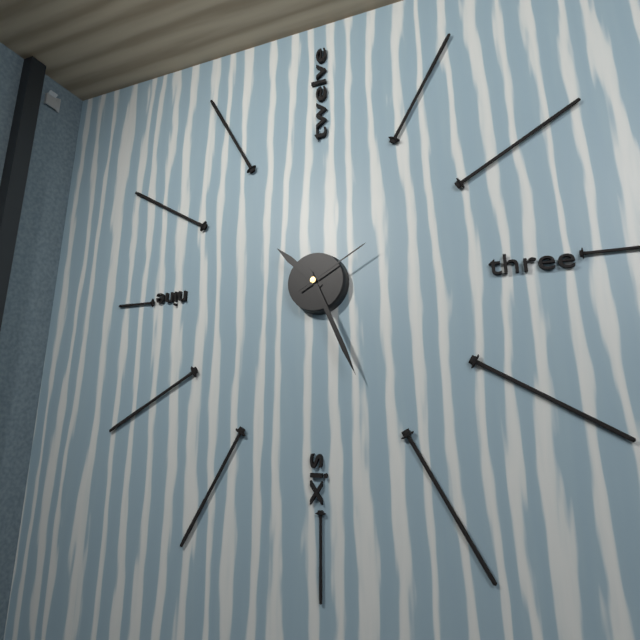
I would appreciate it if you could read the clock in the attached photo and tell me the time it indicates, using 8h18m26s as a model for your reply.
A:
10h26m10s
